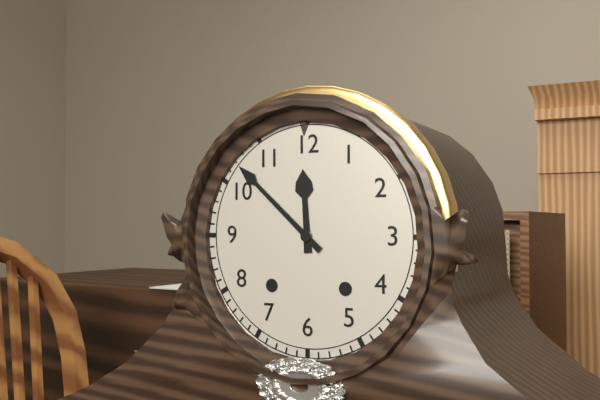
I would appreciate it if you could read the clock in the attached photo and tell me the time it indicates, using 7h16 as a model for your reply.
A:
11h52
